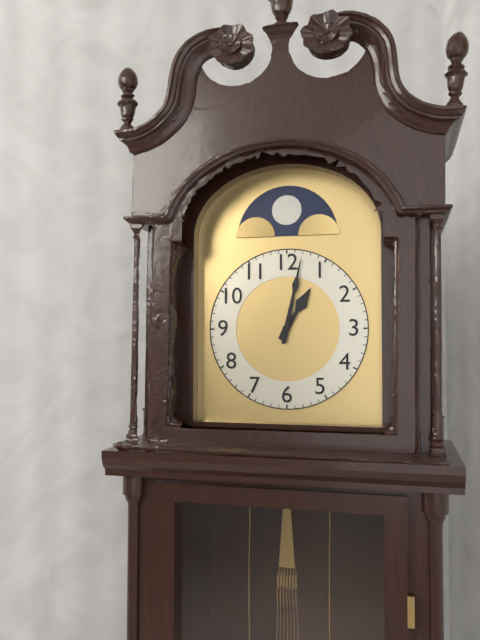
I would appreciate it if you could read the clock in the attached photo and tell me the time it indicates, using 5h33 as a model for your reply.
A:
1h02
